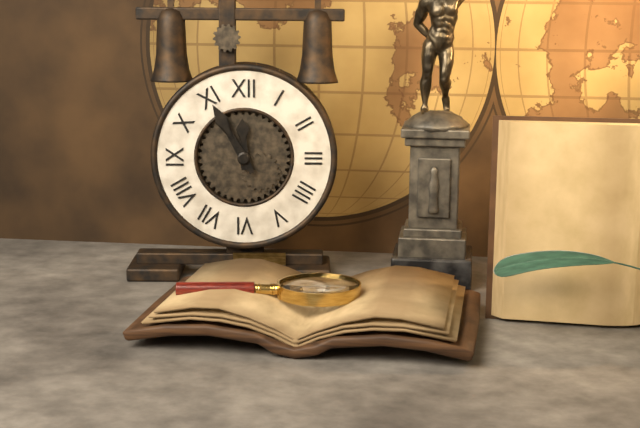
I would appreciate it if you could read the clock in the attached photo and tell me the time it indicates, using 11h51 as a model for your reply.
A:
11h55
